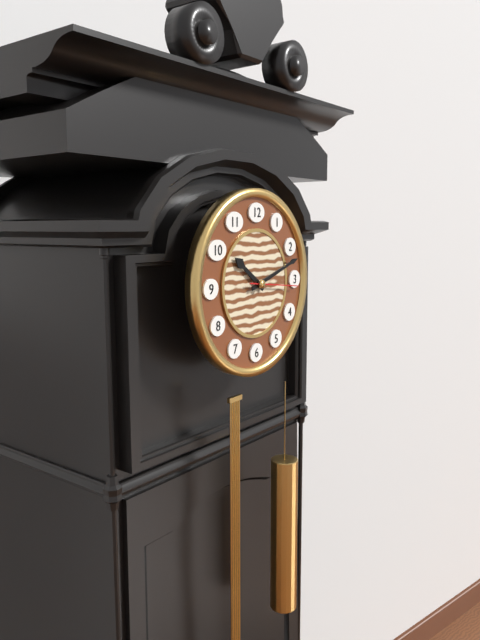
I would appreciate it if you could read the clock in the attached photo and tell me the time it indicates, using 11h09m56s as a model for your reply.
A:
10h12m16s
